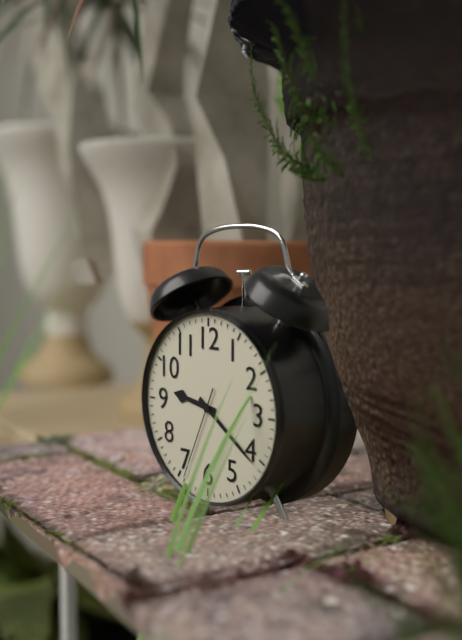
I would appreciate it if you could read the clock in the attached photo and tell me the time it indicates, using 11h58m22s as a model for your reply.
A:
9h21m34s
